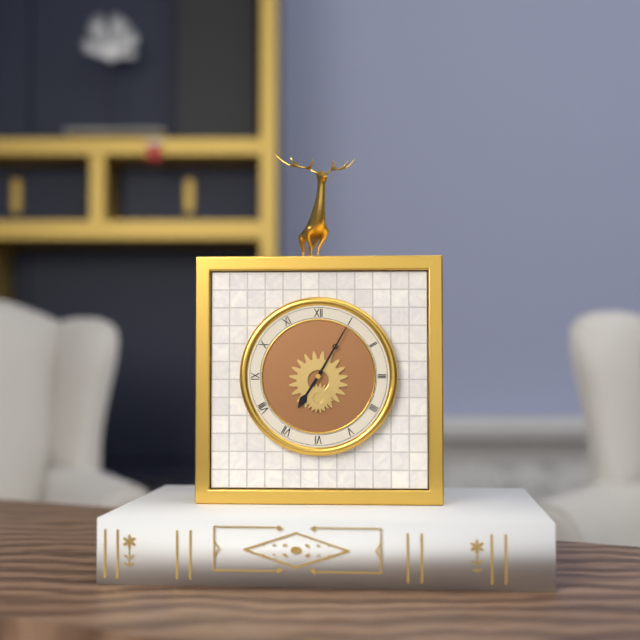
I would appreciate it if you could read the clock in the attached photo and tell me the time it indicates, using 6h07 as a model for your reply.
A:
7h05
